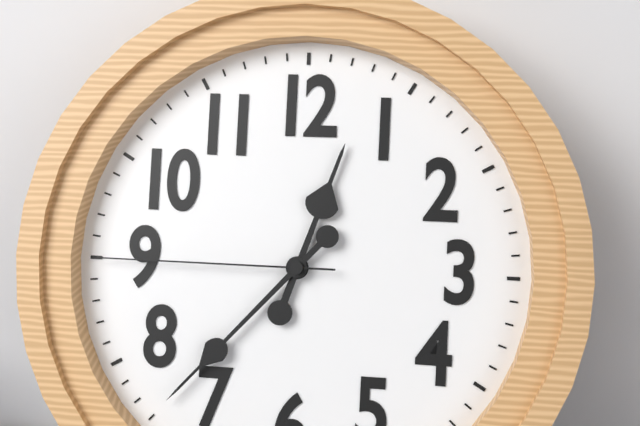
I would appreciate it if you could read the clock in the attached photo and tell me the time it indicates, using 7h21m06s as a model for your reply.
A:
12h37m45s
